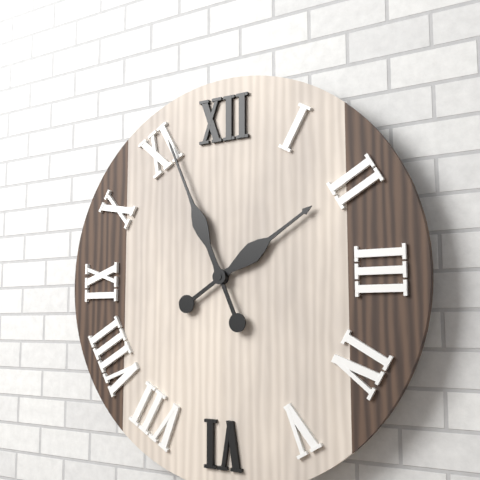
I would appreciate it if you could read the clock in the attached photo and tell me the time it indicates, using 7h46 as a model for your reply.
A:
1h56
